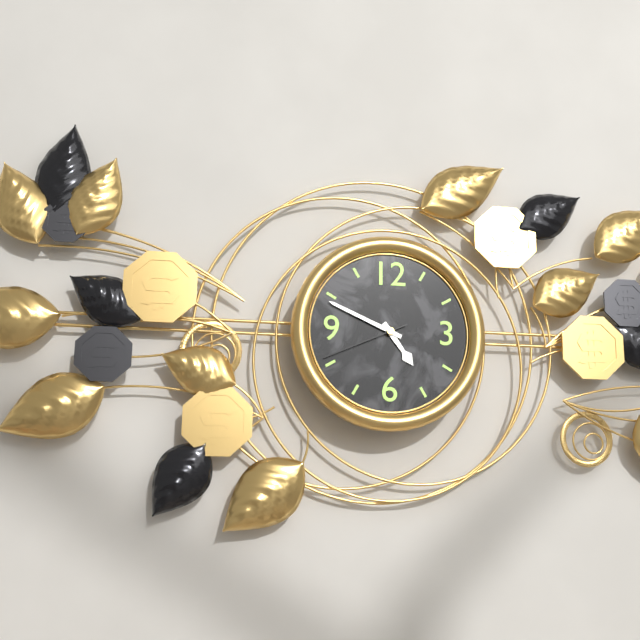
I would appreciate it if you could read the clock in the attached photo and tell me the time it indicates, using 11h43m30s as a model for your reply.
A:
4h49m41s
